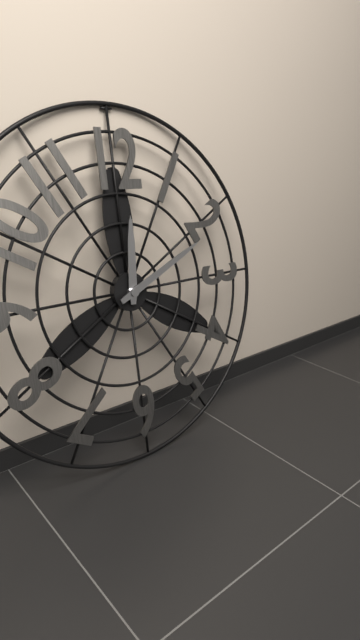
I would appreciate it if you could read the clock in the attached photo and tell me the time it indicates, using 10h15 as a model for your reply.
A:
12h11
